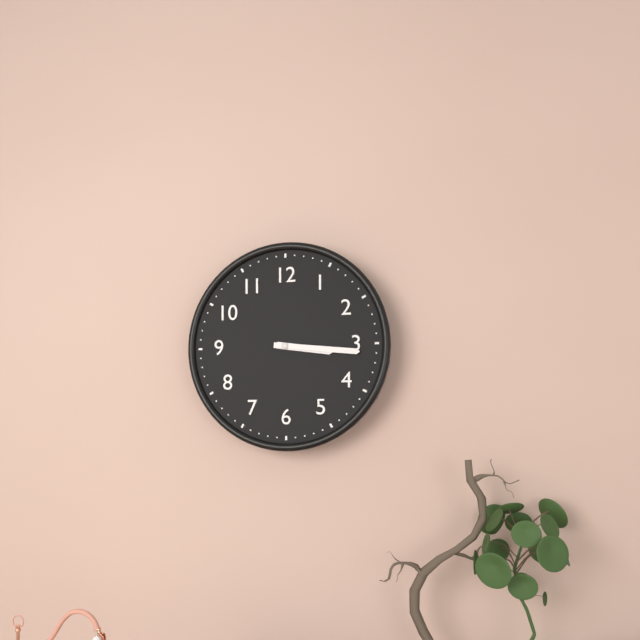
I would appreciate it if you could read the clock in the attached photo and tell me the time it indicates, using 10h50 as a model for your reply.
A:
3h16
